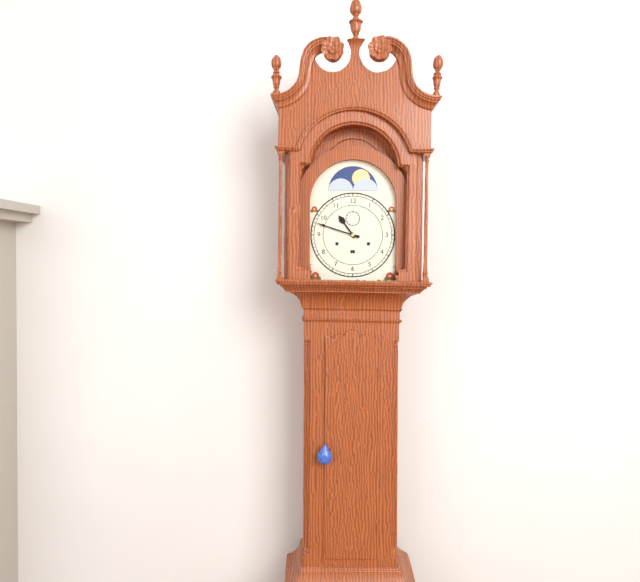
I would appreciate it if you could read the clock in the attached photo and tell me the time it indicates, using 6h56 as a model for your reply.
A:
10h48
